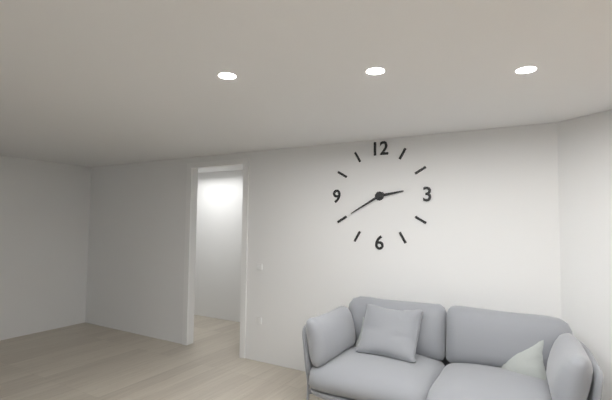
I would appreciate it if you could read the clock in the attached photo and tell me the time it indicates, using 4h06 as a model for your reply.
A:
2h40
